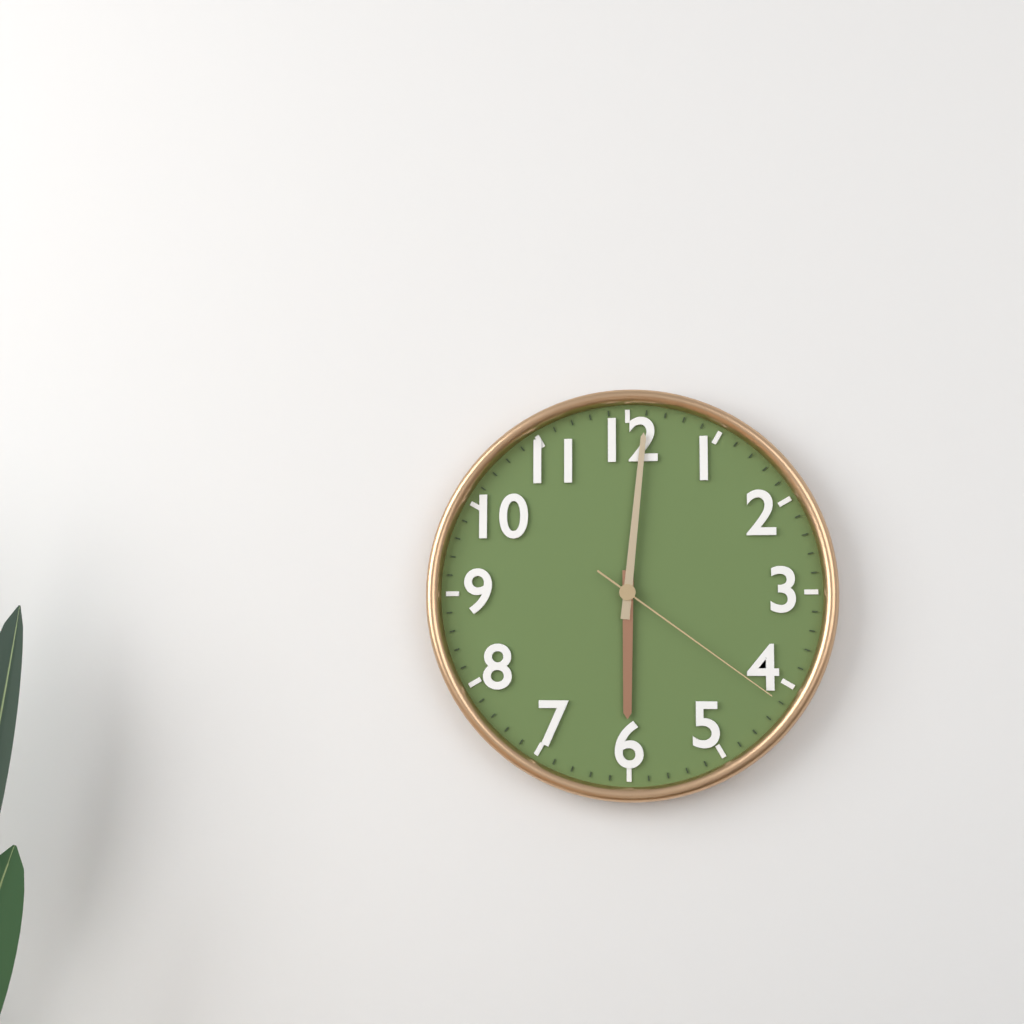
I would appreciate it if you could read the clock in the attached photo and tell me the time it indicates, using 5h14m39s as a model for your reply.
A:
6h01m21s
